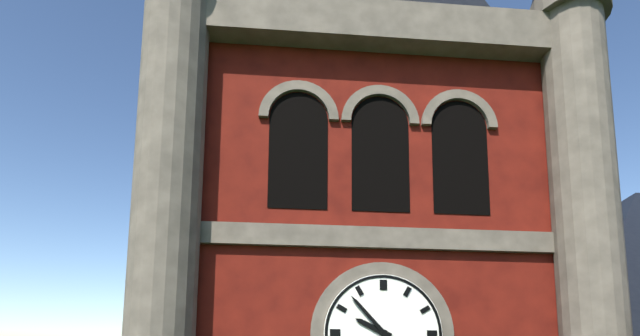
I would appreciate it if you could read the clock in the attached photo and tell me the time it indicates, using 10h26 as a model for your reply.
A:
9h53
